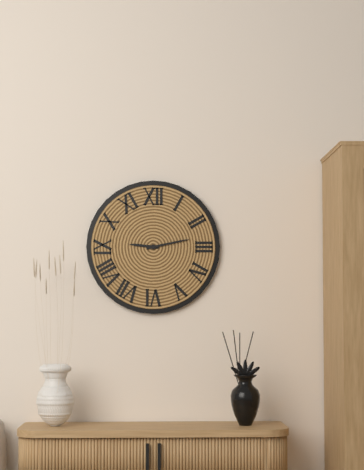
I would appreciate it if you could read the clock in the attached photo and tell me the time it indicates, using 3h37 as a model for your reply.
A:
9h13
